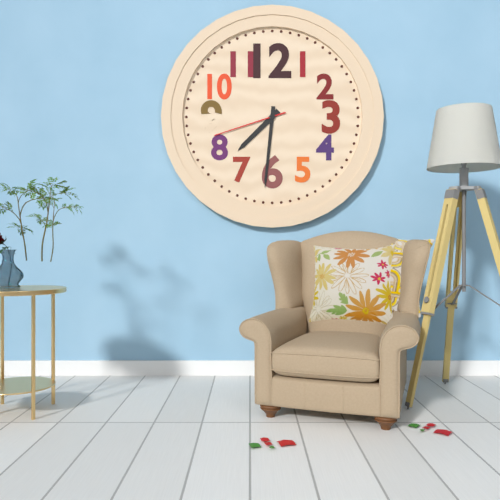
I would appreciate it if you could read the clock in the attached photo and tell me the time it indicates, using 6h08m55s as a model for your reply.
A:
7h31m42s
